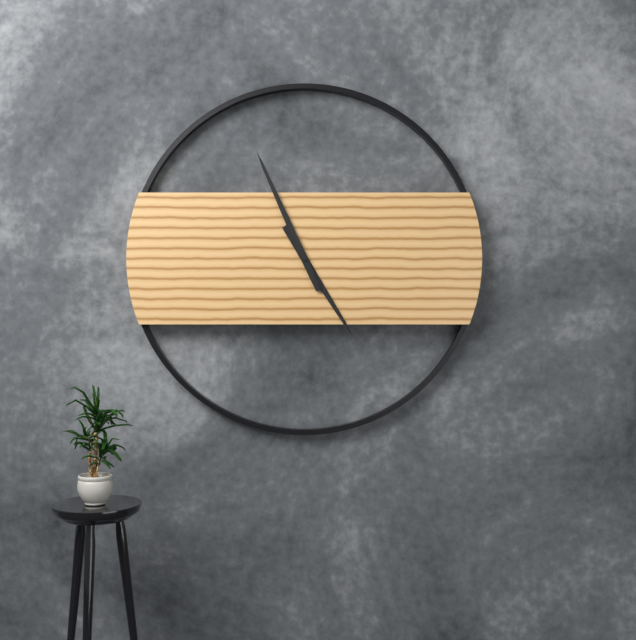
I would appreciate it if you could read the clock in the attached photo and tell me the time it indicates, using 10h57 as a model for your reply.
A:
4h56
